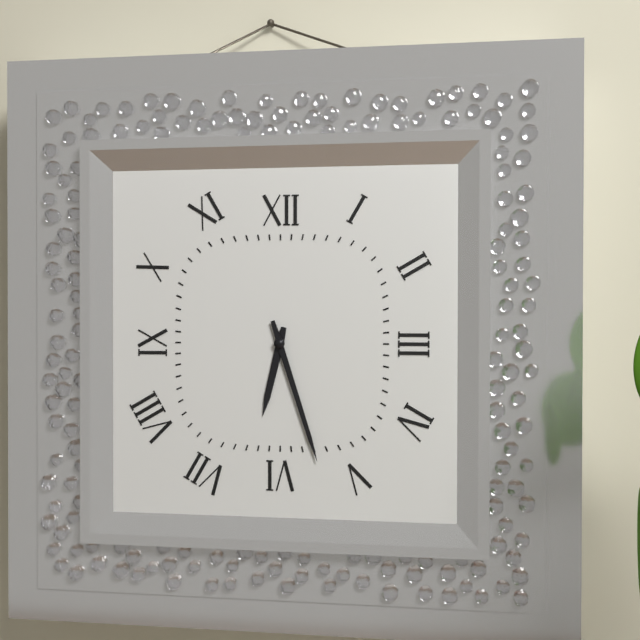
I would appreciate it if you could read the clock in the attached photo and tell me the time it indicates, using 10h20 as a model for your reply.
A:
6h27
